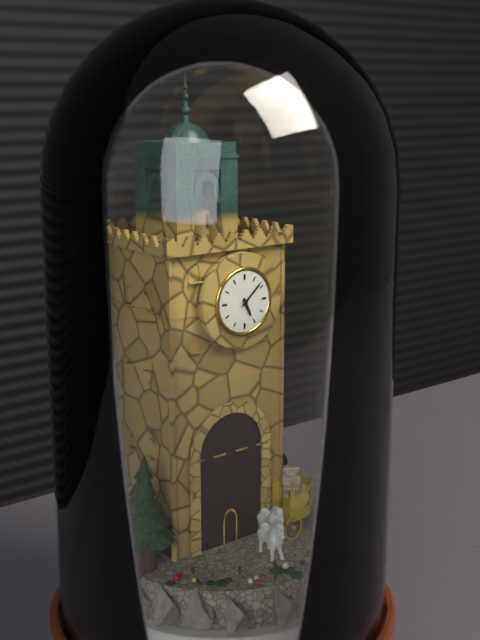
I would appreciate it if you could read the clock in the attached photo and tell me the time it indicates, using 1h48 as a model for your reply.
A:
5h08
